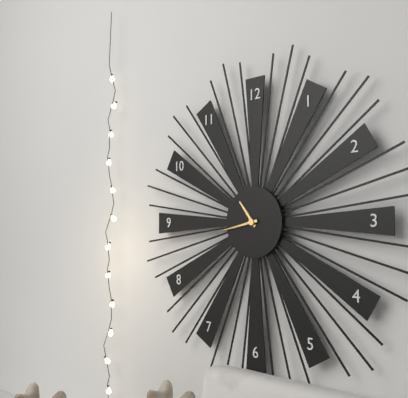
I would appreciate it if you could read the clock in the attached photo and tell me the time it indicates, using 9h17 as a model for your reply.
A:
10h43
